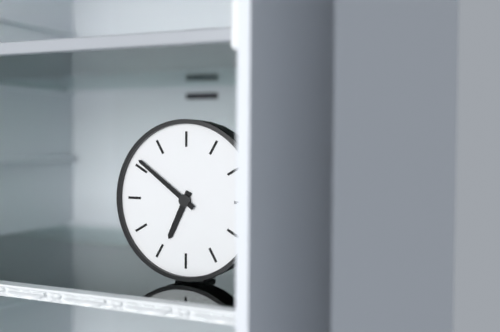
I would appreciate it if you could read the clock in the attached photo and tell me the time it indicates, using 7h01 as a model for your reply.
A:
6h51
